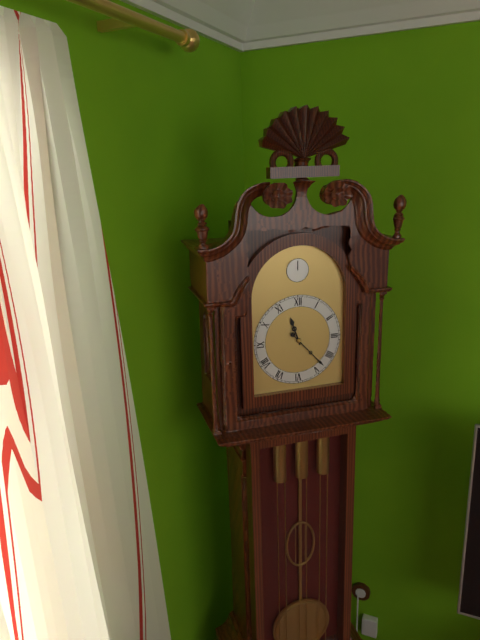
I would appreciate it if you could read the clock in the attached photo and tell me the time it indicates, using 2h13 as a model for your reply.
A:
11h23
